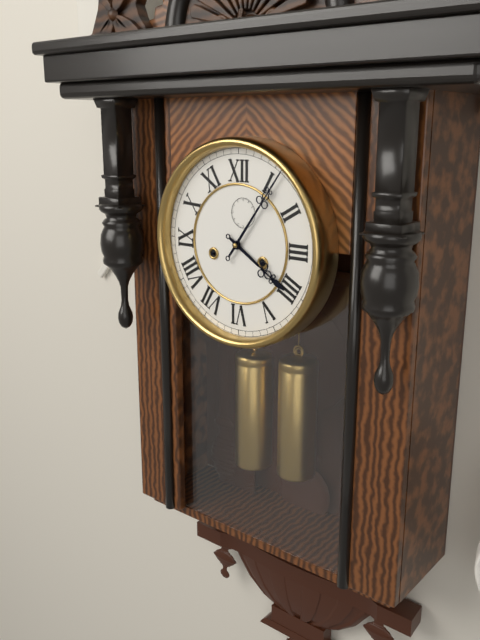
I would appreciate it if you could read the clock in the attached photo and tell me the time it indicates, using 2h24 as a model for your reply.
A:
4h06
